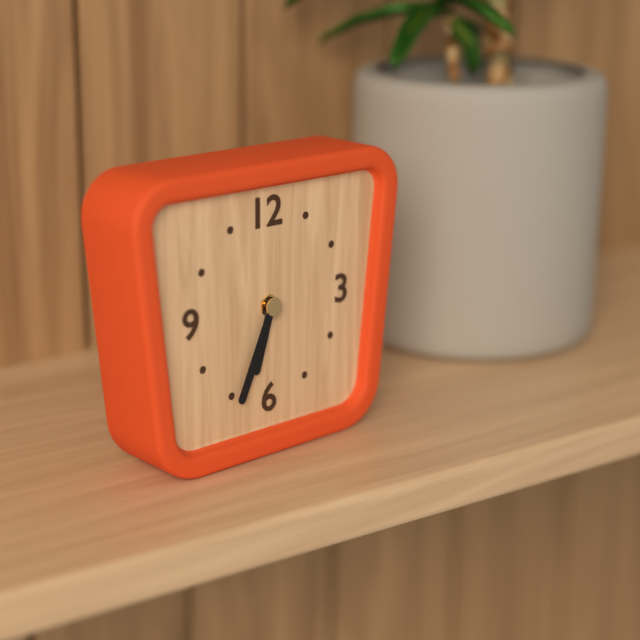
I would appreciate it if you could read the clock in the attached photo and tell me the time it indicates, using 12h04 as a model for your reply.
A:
6h34
